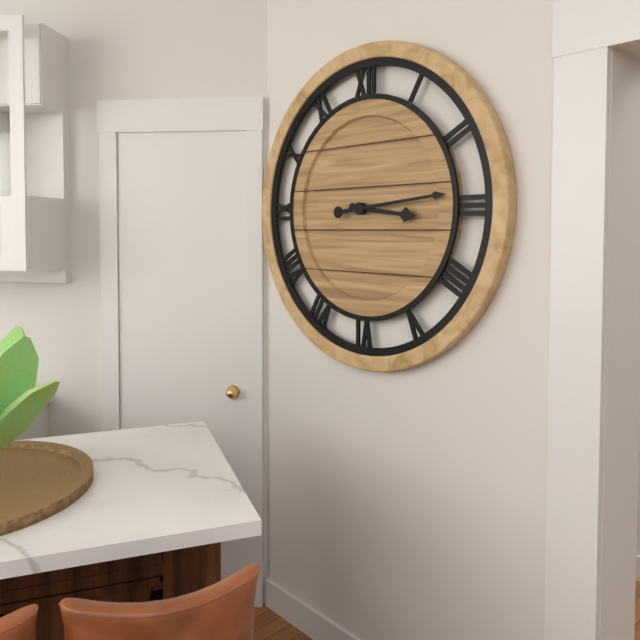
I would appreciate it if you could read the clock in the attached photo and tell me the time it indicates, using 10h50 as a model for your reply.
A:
3h14
